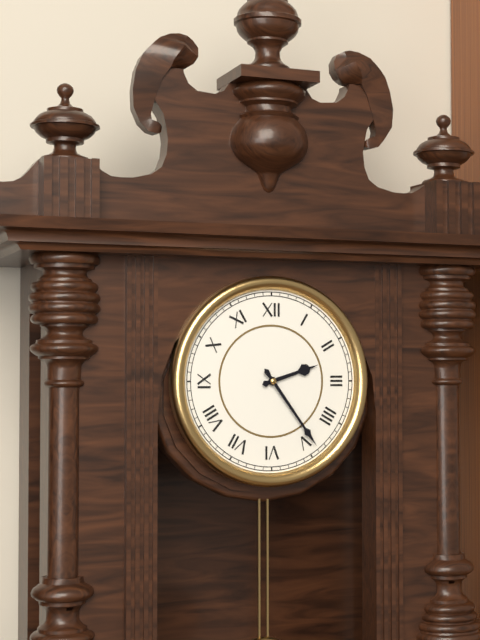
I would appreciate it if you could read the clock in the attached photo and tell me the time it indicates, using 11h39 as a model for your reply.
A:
2h24
